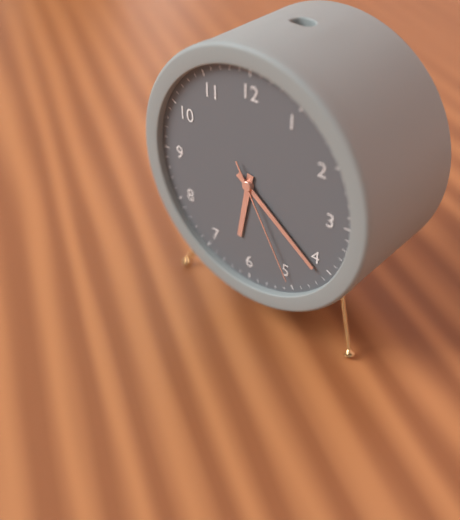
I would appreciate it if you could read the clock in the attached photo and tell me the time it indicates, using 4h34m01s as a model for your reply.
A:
6h21m25s
